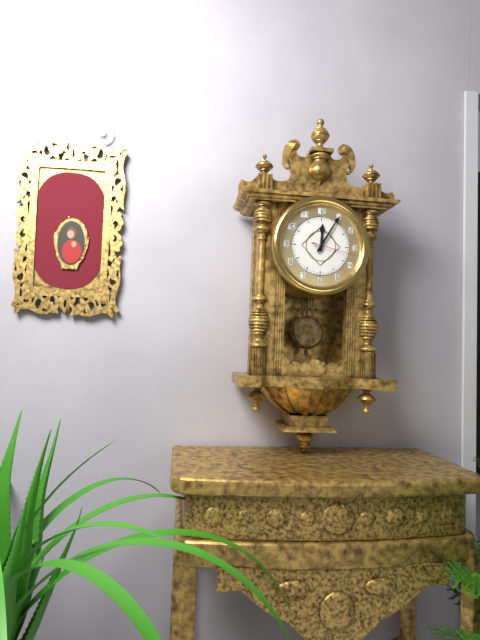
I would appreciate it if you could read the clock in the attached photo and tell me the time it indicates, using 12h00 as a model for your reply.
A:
12h05
